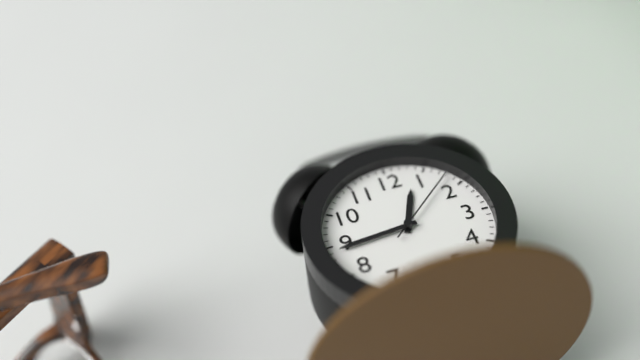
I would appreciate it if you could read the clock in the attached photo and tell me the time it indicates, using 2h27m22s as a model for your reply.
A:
12h44m08s
